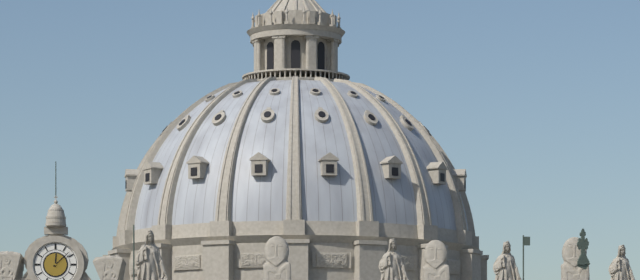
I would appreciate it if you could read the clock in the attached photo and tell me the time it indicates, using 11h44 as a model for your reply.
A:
12h08
